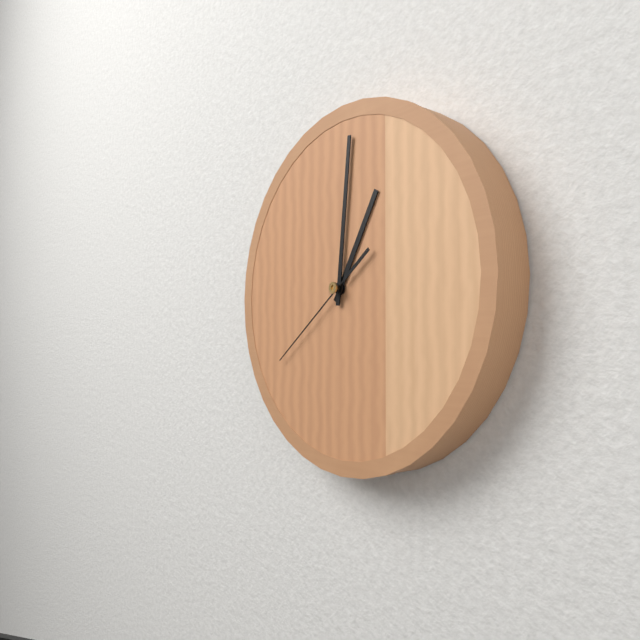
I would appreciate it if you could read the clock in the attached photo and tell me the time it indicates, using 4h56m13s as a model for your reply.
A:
1h01m39s
